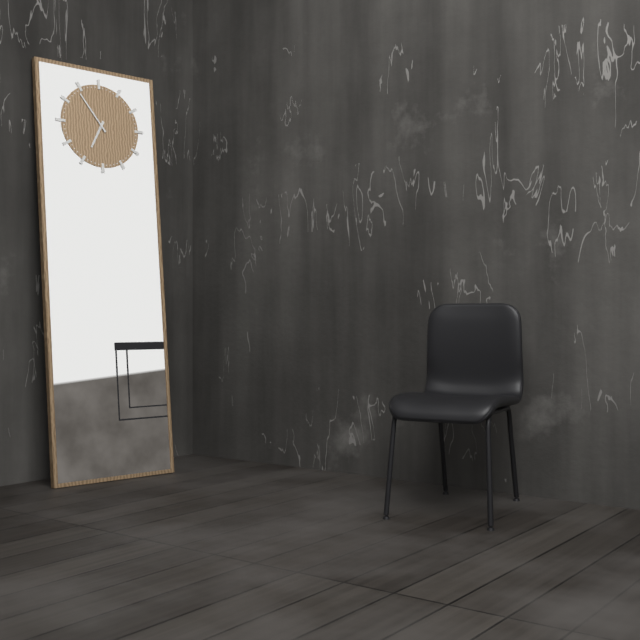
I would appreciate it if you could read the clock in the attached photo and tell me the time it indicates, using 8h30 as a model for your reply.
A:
6h54
